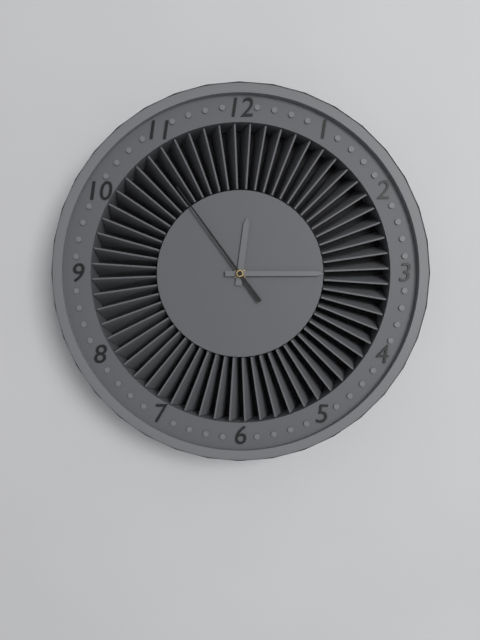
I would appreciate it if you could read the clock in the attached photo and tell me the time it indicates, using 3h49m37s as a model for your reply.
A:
12h15m54s
